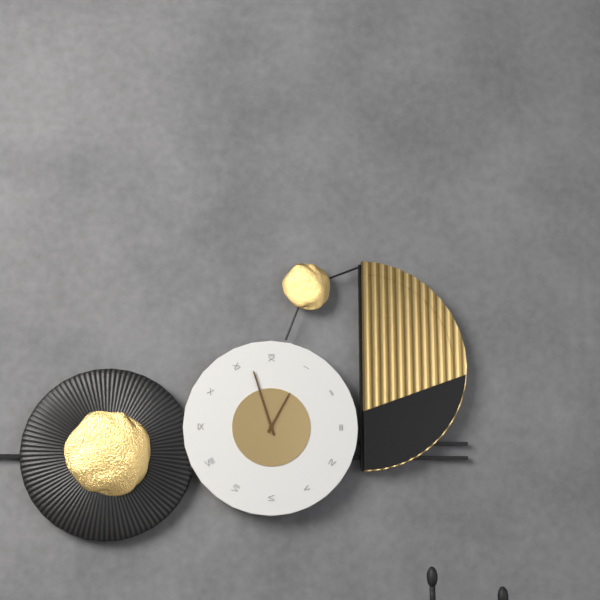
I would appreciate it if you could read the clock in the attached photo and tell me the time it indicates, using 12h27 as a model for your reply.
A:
12h57
